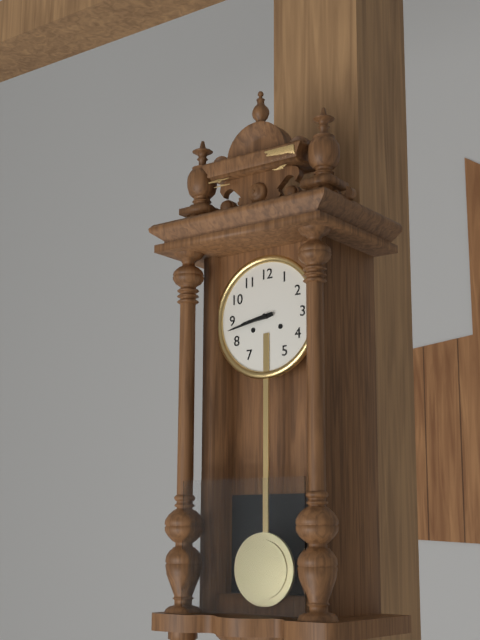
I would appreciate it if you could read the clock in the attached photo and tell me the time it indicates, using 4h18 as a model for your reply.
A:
8h43
